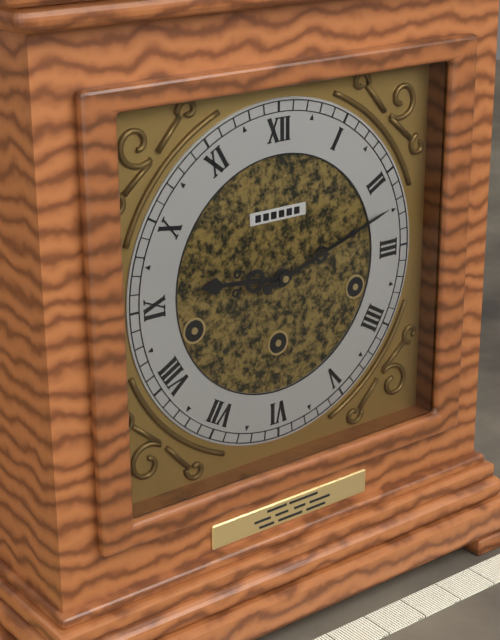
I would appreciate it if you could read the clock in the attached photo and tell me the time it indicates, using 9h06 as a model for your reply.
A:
9h12
